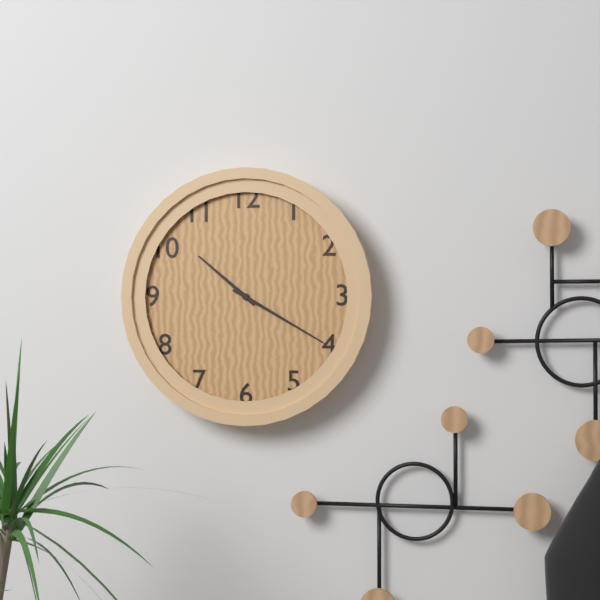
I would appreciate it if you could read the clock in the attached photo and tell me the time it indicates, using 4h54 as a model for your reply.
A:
10h20
